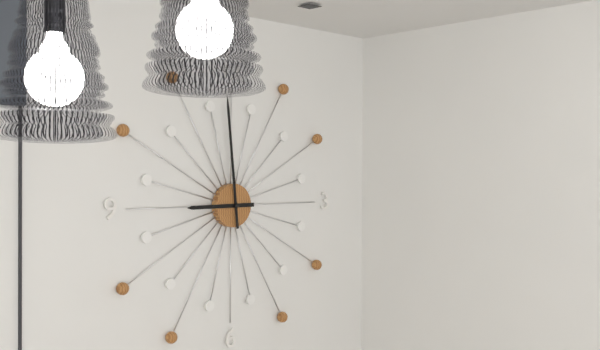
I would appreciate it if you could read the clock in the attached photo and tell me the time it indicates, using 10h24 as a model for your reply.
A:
8h59
